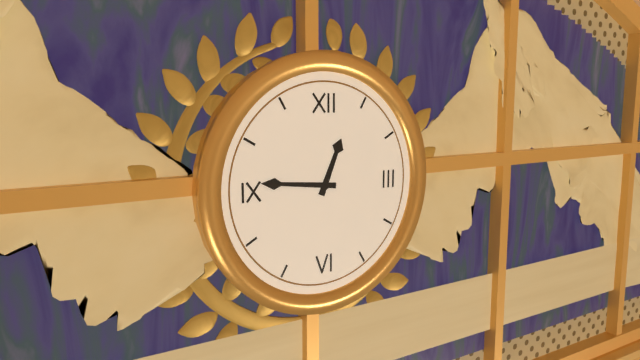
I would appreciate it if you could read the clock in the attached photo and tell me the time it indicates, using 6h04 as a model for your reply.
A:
12h46
